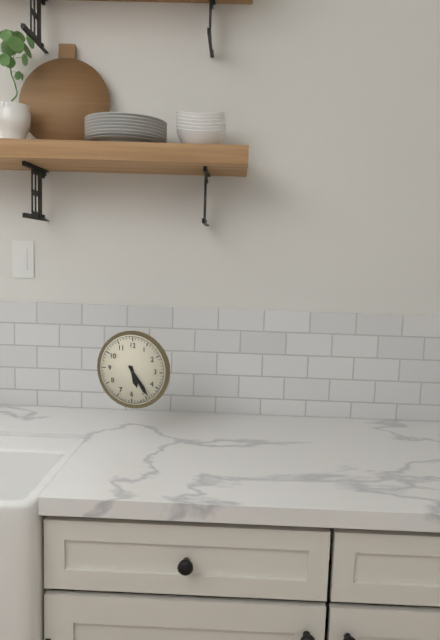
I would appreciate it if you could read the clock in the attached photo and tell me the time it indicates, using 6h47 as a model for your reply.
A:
5h24
